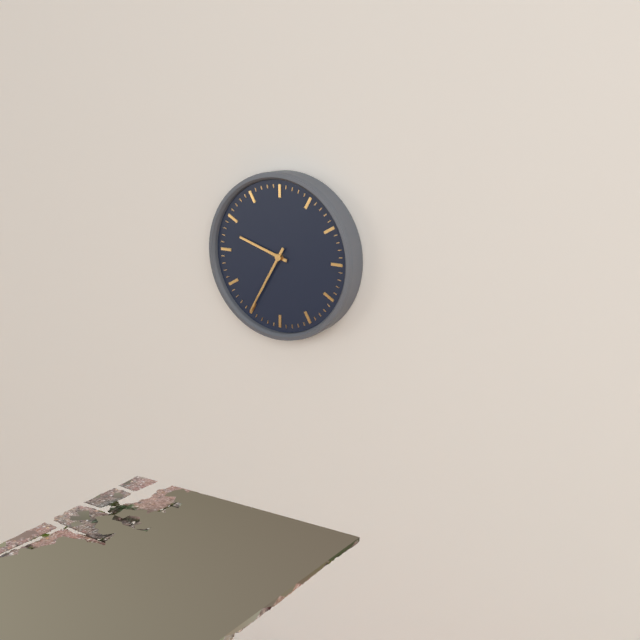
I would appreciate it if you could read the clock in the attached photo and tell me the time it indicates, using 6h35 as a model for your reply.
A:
9h35
